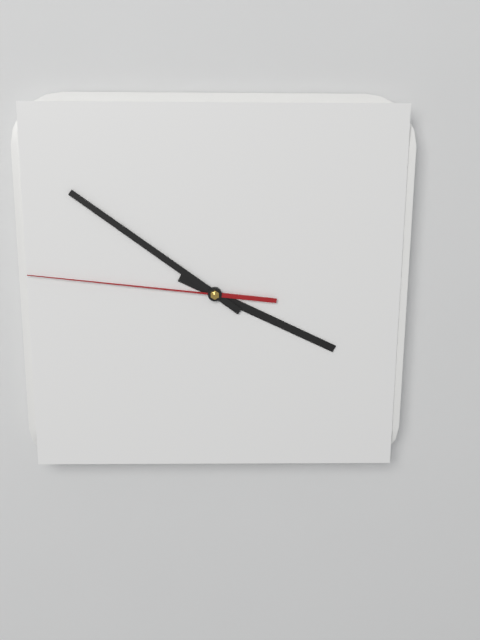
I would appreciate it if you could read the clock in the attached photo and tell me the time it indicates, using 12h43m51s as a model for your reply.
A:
3h51m46s
